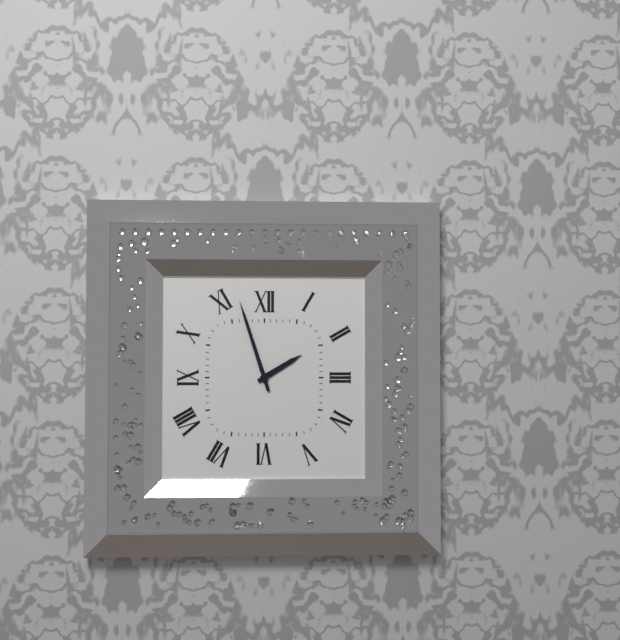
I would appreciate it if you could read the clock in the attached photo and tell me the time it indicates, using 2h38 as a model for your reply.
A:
1h57
